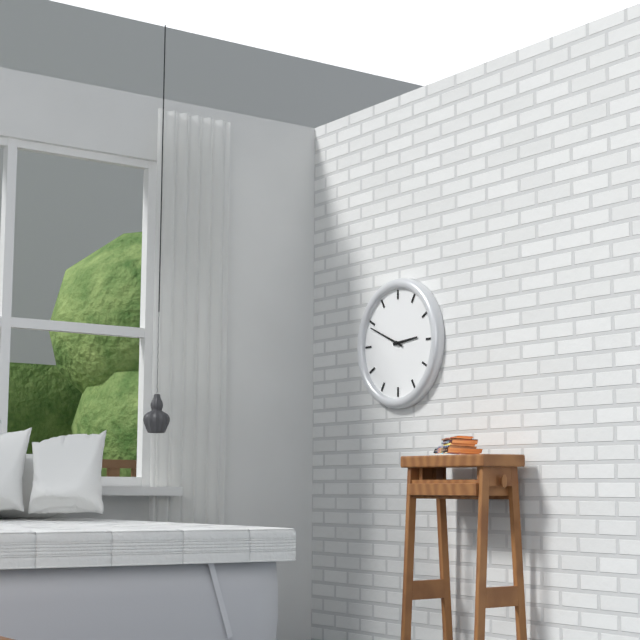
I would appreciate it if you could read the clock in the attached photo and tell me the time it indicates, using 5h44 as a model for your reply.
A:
2h49
